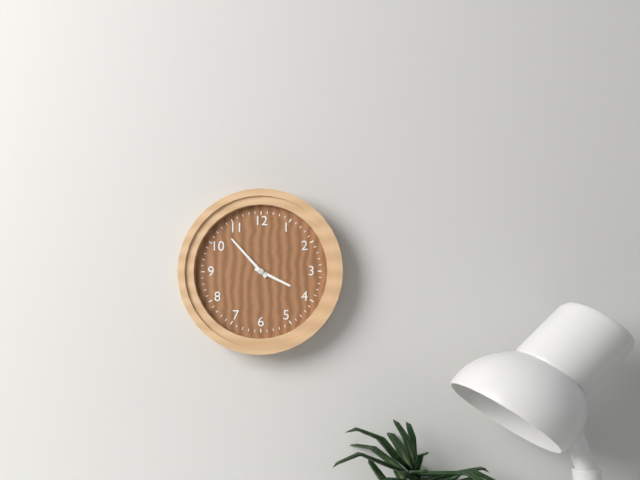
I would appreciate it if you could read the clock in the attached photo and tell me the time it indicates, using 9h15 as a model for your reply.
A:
3h53
